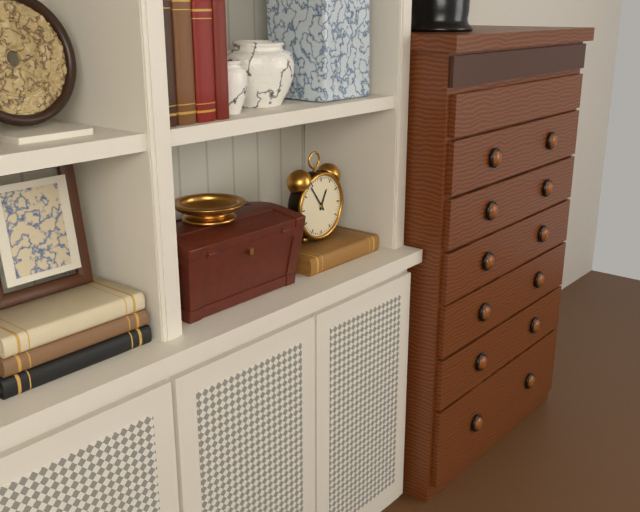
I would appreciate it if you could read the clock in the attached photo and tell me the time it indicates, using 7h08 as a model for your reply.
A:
12h54
